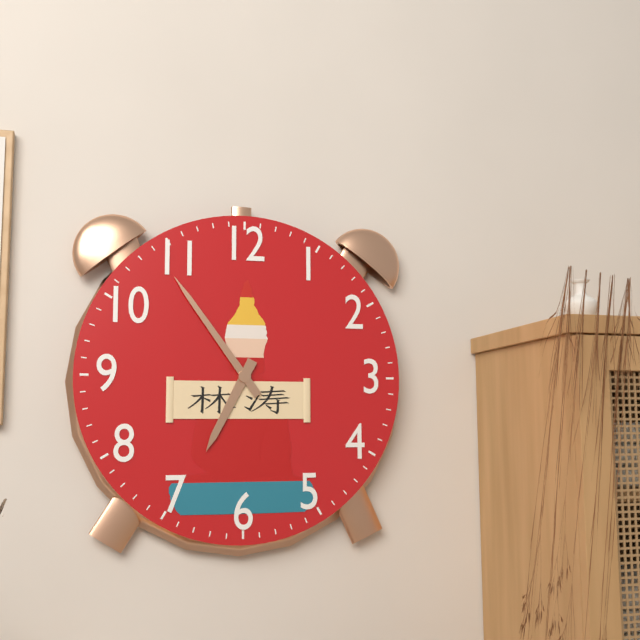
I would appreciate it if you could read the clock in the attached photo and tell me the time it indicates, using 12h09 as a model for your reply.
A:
6h54
